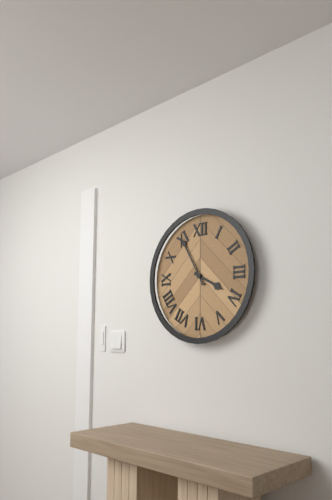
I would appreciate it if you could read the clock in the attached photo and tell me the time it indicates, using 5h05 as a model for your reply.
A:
3h55
